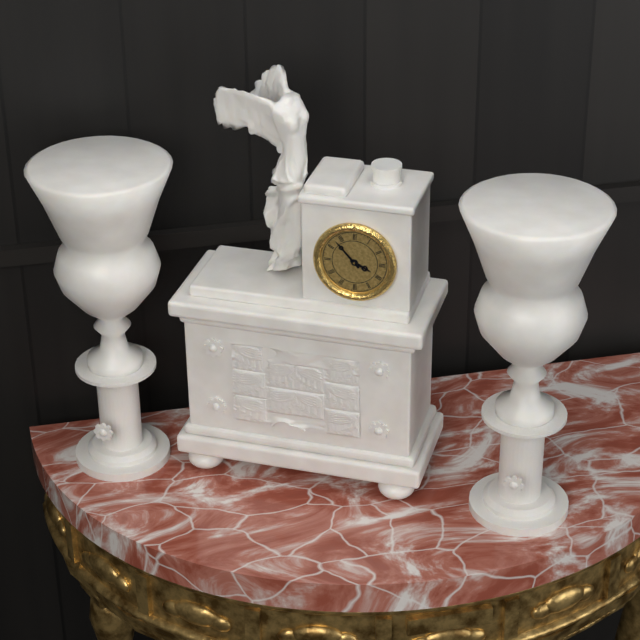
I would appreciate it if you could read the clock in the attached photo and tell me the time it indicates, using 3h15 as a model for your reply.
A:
3h53
